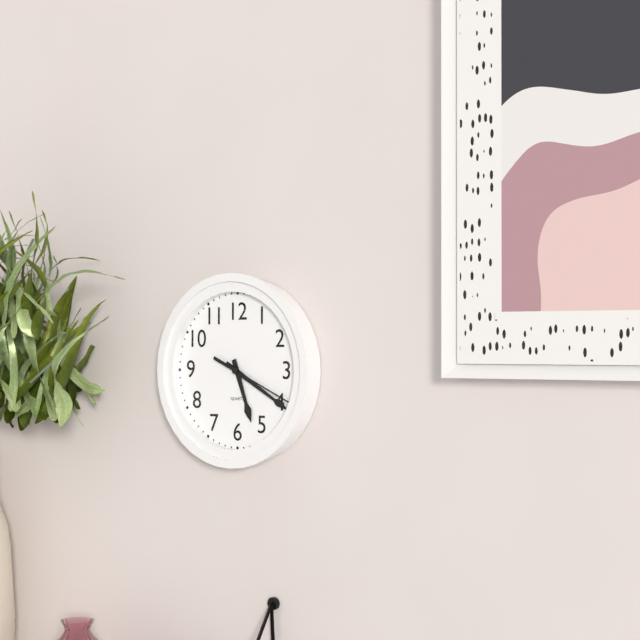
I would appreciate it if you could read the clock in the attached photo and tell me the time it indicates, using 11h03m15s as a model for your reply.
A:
5h20m19s
